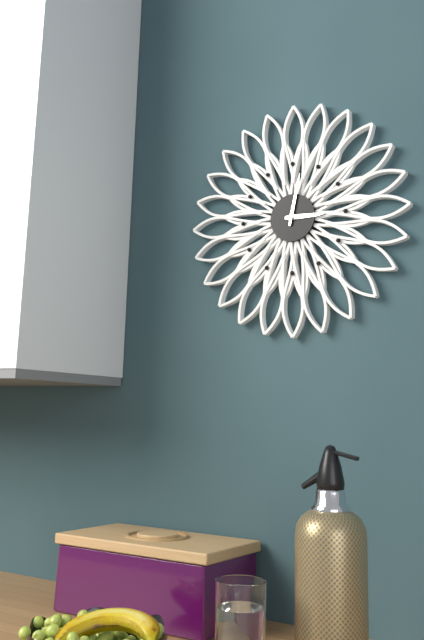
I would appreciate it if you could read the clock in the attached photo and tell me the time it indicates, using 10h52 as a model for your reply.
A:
3h02
